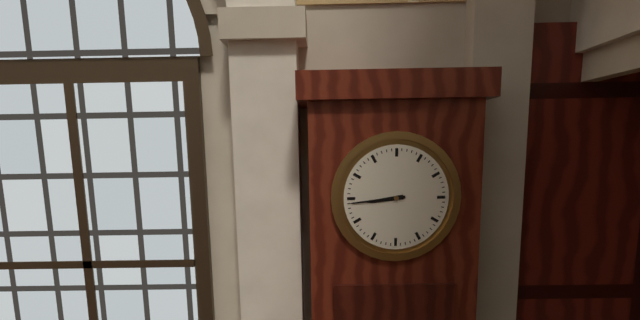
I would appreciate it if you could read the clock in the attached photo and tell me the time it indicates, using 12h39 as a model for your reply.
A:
8h44
